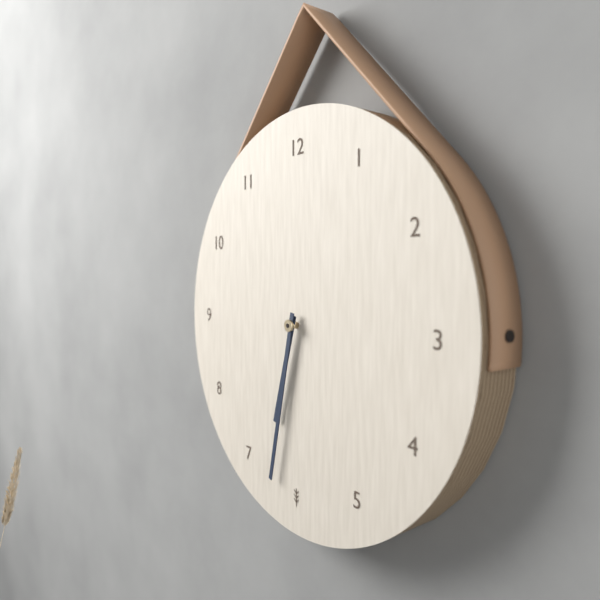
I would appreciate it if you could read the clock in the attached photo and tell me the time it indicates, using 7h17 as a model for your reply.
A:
6h32
